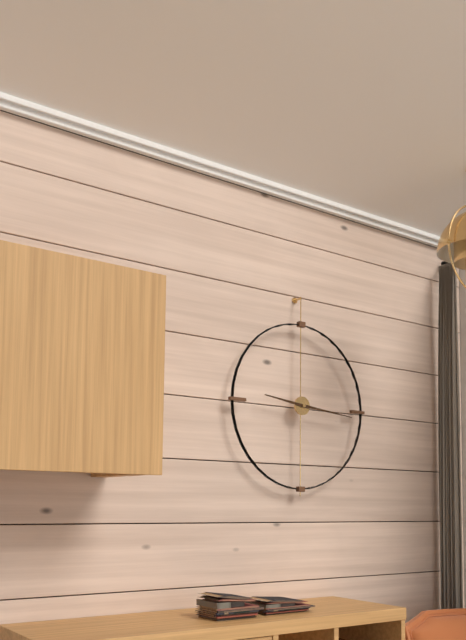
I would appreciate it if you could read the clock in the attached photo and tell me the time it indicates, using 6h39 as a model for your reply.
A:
9h16
